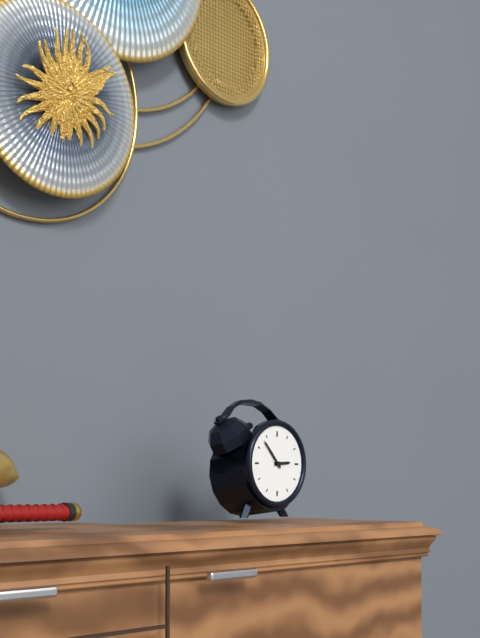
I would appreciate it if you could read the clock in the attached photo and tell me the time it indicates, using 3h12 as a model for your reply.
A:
2h53
